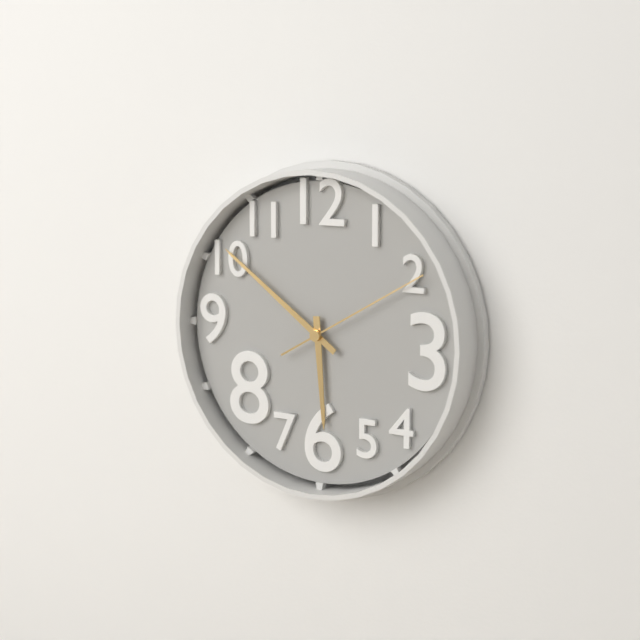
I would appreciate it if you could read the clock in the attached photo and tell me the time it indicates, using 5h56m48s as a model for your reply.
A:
5h51m10s
